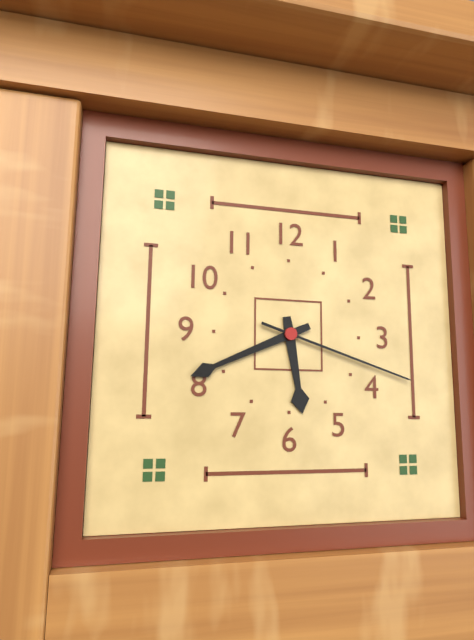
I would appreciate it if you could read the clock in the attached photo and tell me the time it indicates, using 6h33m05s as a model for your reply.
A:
5h41m18s
